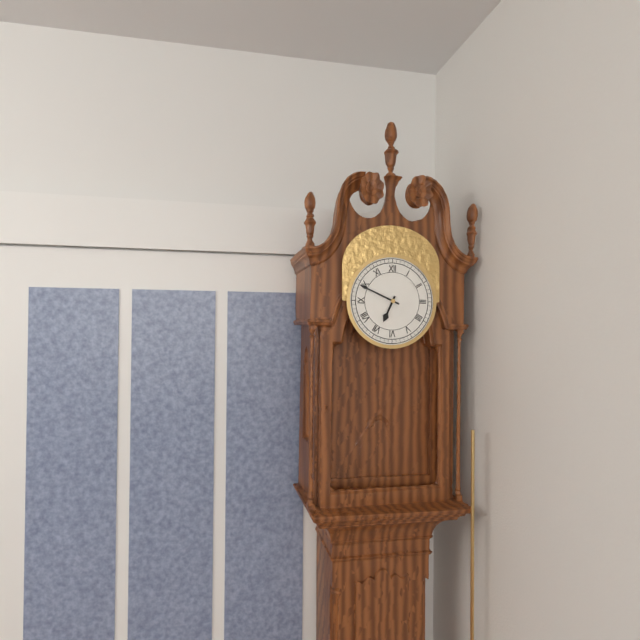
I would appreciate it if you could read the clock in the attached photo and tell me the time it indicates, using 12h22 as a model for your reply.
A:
6h49
